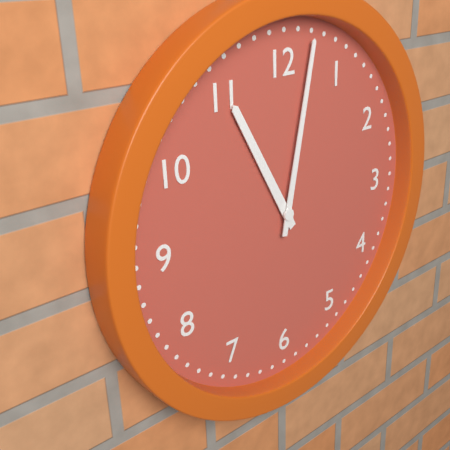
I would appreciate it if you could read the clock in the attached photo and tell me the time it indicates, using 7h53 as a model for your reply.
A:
11h02
